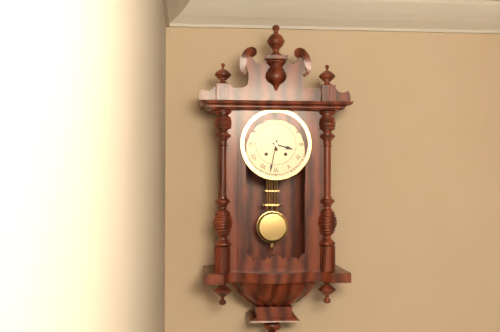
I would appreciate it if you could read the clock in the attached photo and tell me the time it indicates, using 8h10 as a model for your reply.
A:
3h32
